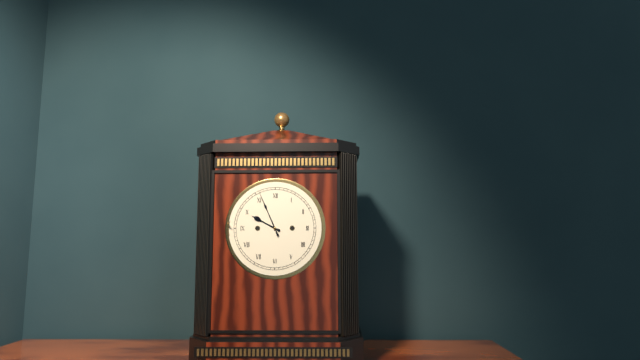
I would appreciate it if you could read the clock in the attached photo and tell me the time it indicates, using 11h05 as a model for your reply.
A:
9h56
